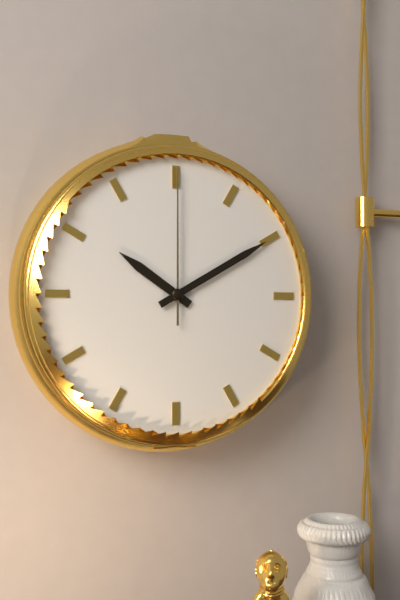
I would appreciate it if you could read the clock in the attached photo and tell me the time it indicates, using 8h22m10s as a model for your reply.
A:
10h10m00s
